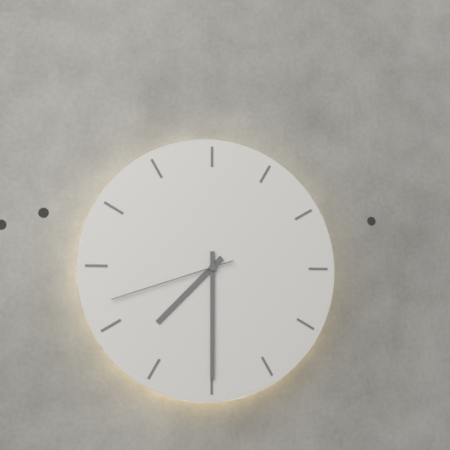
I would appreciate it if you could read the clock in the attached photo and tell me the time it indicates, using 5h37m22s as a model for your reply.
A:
7h30m42s
